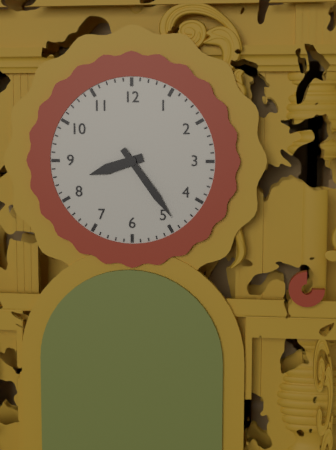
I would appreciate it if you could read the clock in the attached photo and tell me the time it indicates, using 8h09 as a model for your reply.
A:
8h24
